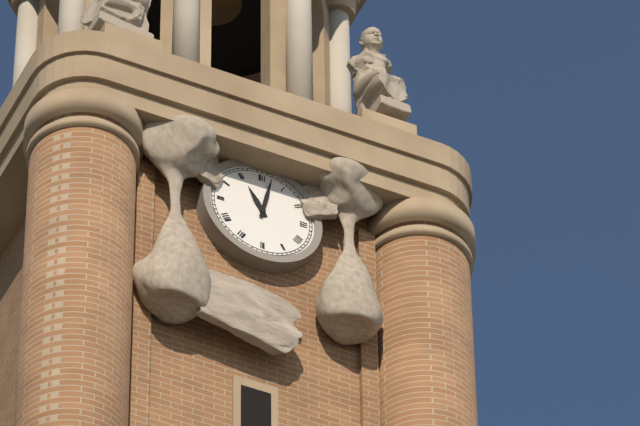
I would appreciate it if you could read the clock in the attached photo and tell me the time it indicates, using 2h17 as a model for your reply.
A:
11h02
